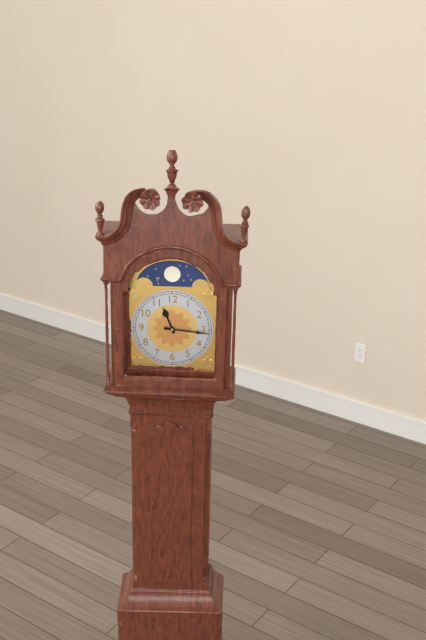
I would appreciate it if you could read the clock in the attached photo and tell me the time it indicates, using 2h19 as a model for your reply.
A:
11h16
